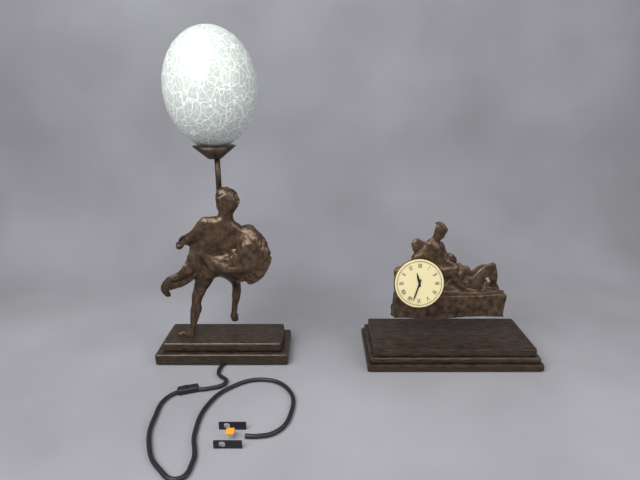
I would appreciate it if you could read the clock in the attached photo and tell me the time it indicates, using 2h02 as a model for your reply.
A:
11h33
